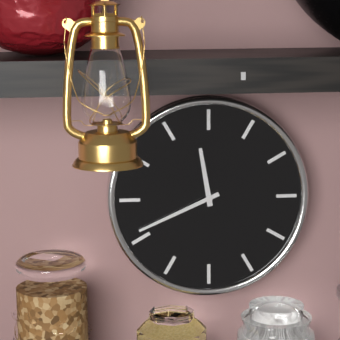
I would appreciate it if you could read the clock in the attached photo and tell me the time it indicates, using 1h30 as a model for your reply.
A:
11h41
